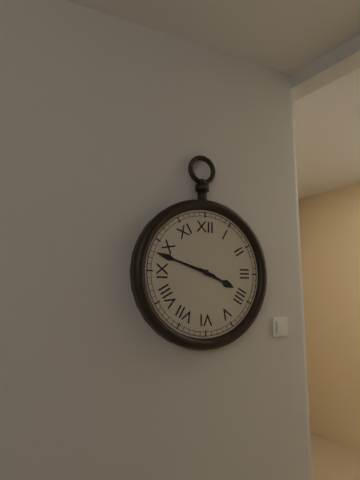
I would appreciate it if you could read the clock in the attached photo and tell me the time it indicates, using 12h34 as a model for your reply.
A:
3h48
